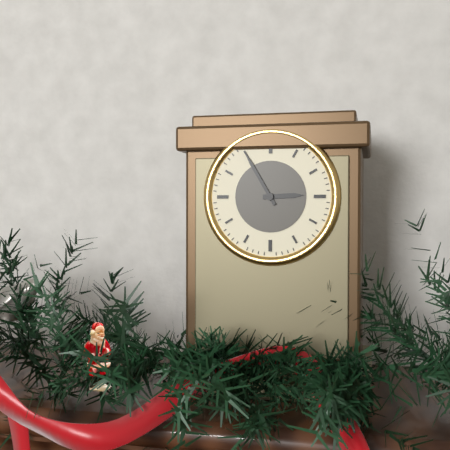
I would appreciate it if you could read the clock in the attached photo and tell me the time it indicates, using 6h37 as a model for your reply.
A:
2h55
